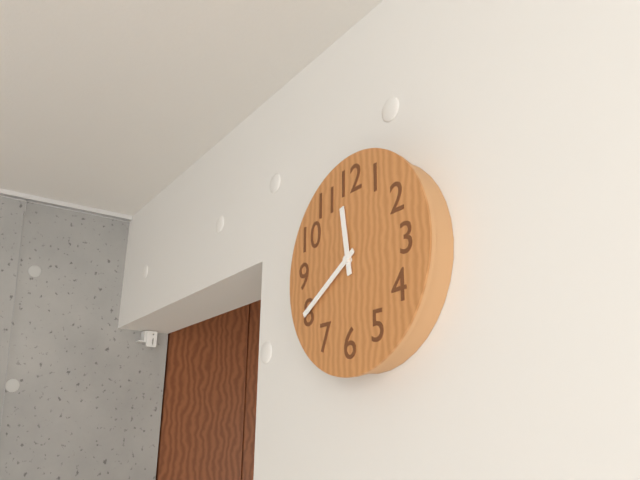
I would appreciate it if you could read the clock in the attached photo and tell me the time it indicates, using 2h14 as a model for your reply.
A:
11h40
